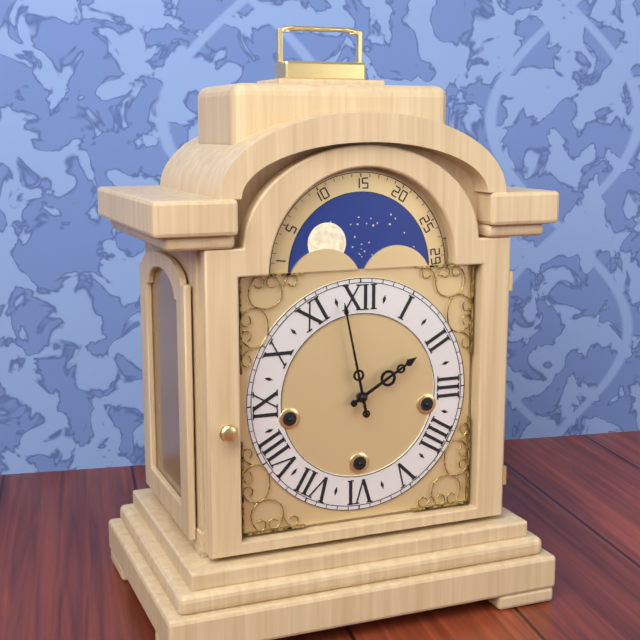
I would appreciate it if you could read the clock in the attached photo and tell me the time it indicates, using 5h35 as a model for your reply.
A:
1h58
